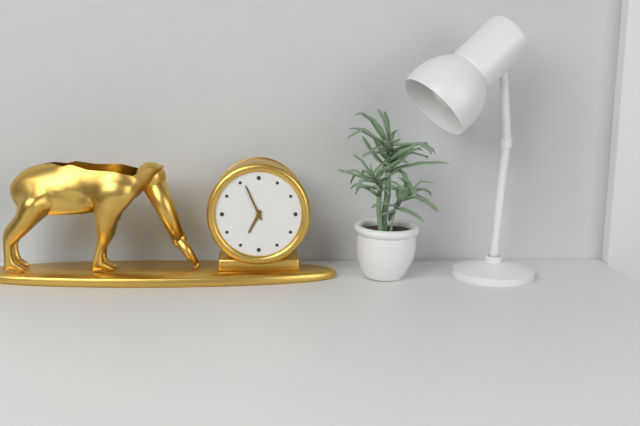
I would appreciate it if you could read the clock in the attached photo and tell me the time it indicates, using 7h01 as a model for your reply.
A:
6h56
